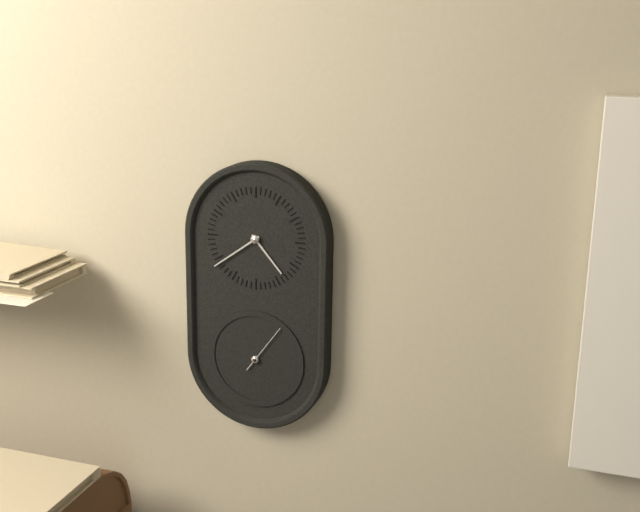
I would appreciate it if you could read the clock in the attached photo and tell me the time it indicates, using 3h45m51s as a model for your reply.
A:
4h39m06s
